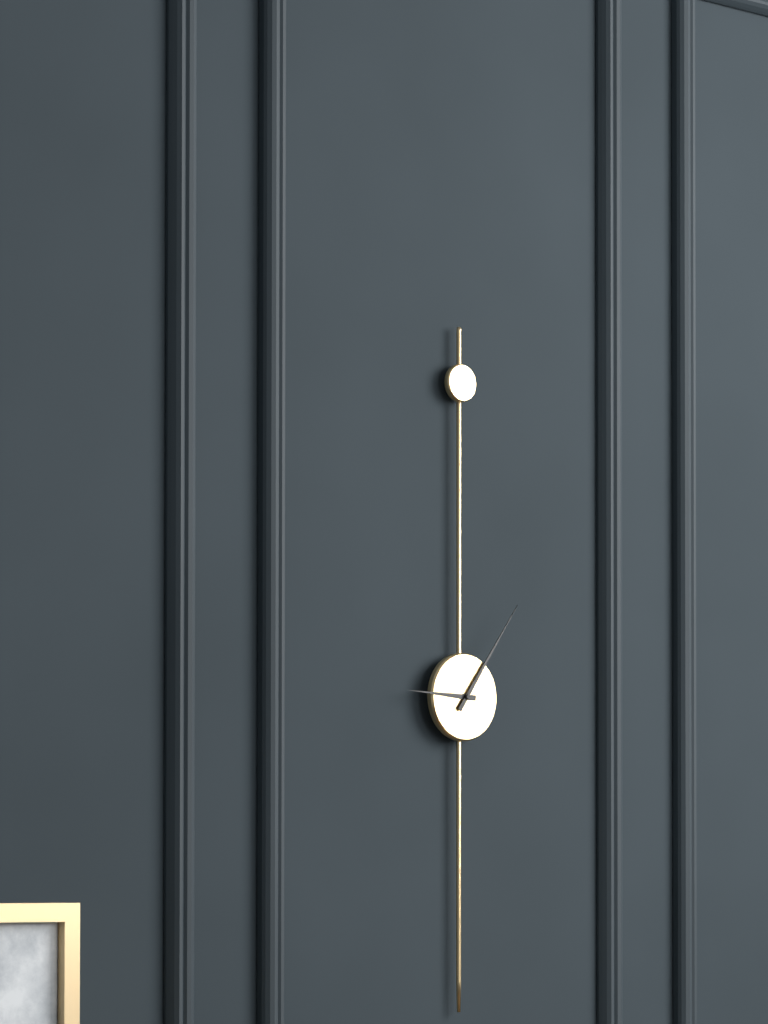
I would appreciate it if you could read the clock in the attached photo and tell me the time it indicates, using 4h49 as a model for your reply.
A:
9h06
